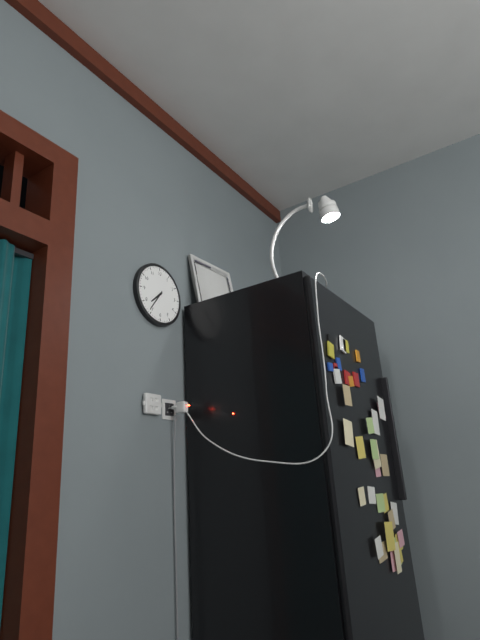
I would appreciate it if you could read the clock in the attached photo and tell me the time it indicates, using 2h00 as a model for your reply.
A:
7h36
